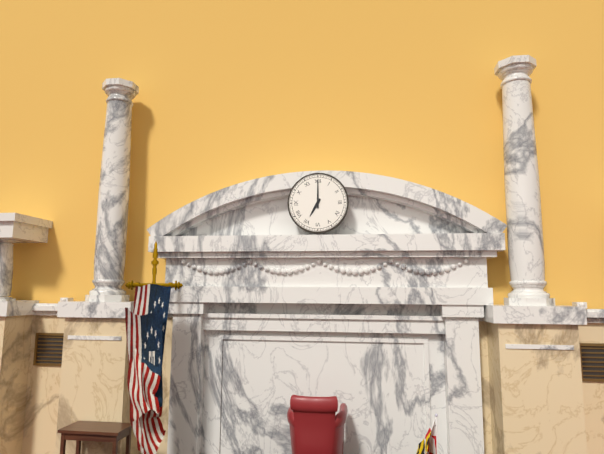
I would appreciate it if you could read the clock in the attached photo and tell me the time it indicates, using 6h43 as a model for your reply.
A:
7h00
